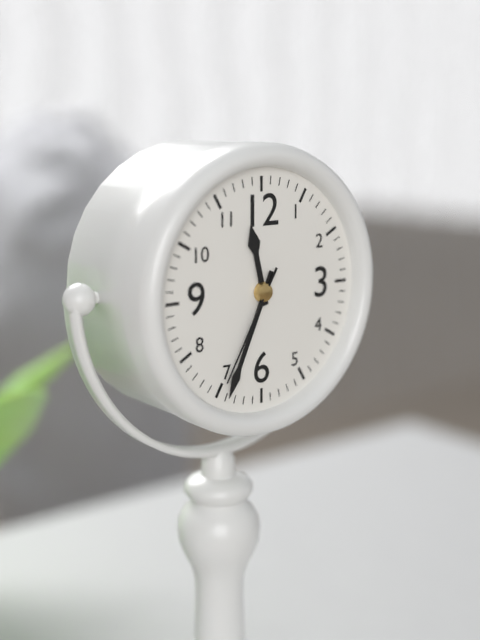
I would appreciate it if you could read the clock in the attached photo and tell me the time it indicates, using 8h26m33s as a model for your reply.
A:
11h34m35s
